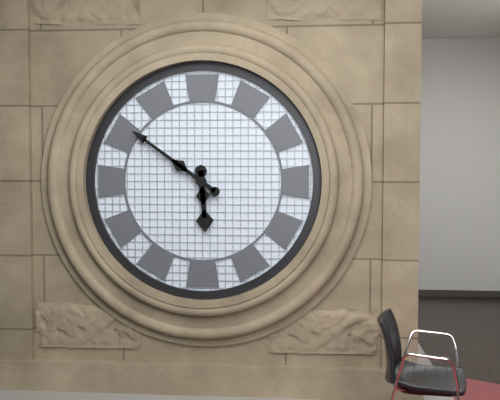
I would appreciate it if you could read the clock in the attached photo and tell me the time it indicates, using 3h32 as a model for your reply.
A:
5h51
